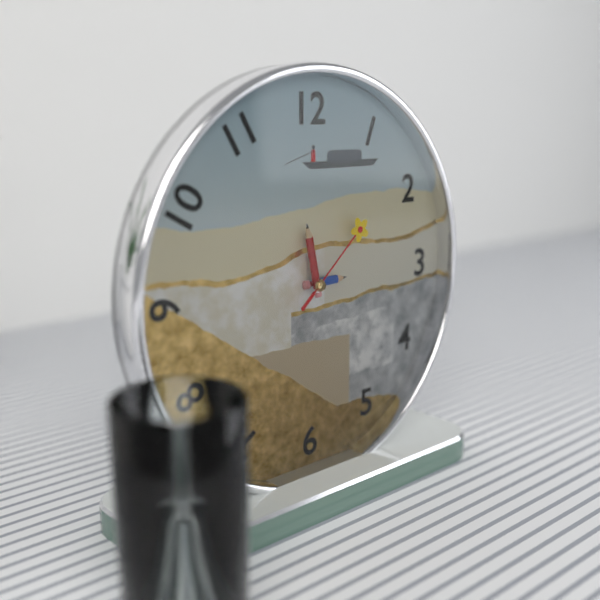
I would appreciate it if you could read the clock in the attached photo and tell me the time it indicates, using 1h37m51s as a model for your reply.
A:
2h58m08s
